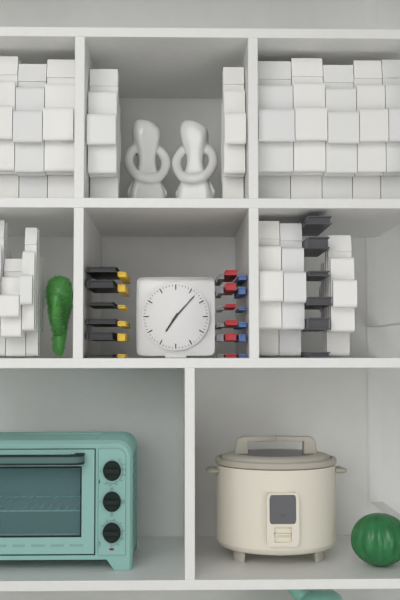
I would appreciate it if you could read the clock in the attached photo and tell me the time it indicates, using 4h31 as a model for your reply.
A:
7h07
